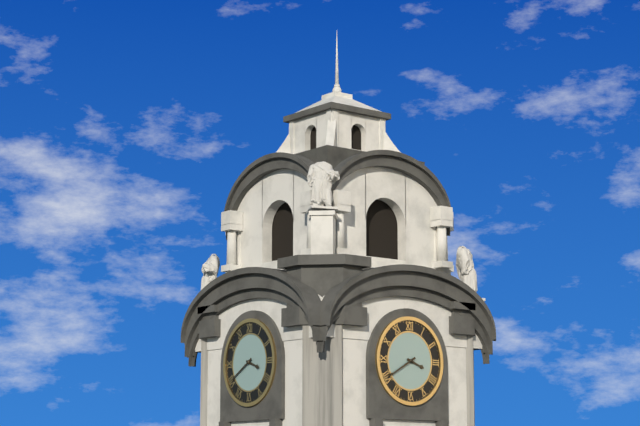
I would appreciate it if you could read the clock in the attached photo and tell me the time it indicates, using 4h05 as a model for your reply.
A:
3h40
